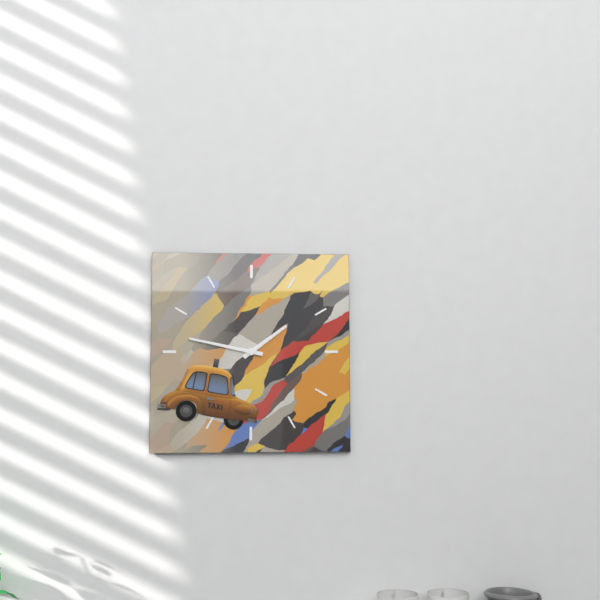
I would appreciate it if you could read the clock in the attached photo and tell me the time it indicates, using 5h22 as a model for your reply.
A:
1h47
